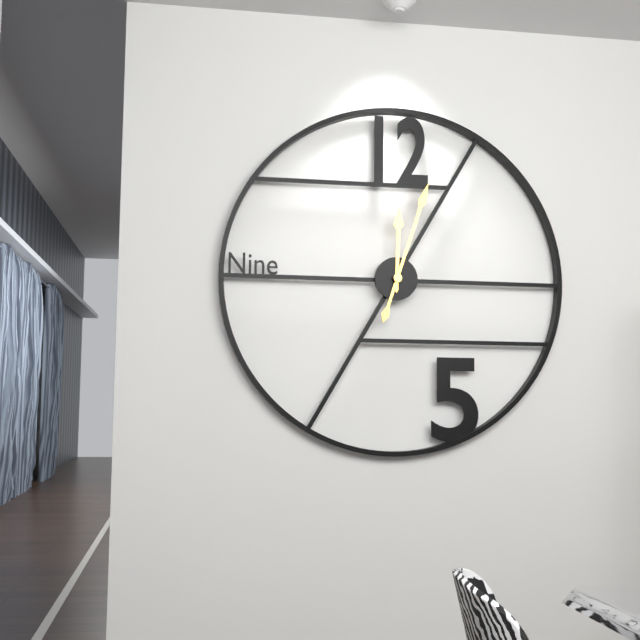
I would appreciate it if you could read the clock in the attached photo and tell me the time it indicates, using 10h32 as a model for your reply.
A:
12h03
